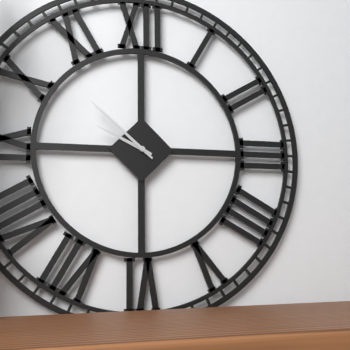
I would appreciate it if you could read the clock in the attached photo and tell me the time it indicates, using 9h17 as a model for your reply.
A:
9h52
